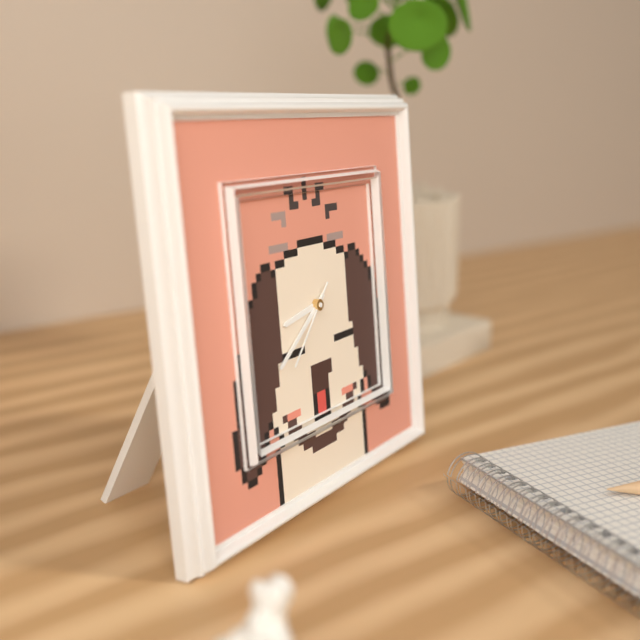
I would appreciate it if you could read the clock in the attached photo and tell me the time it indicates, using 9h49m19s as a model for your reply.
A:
8h39m37s
